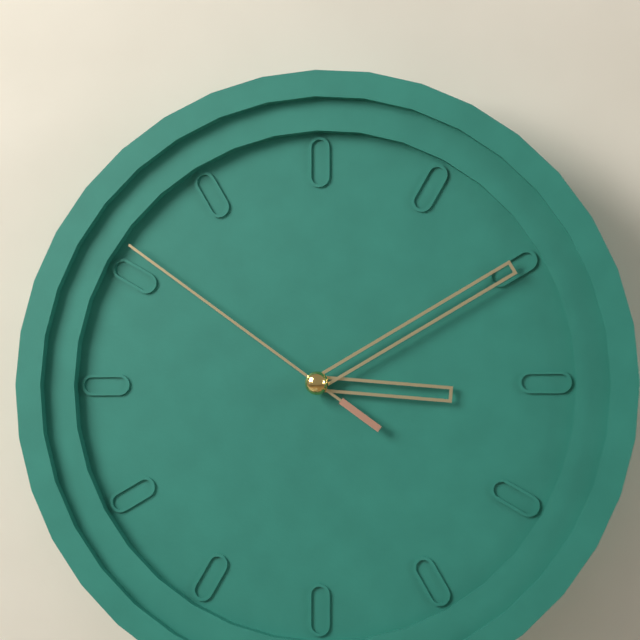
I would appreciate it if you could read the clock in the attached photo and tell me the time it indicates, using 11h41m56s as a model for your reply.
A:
3h10m51s
